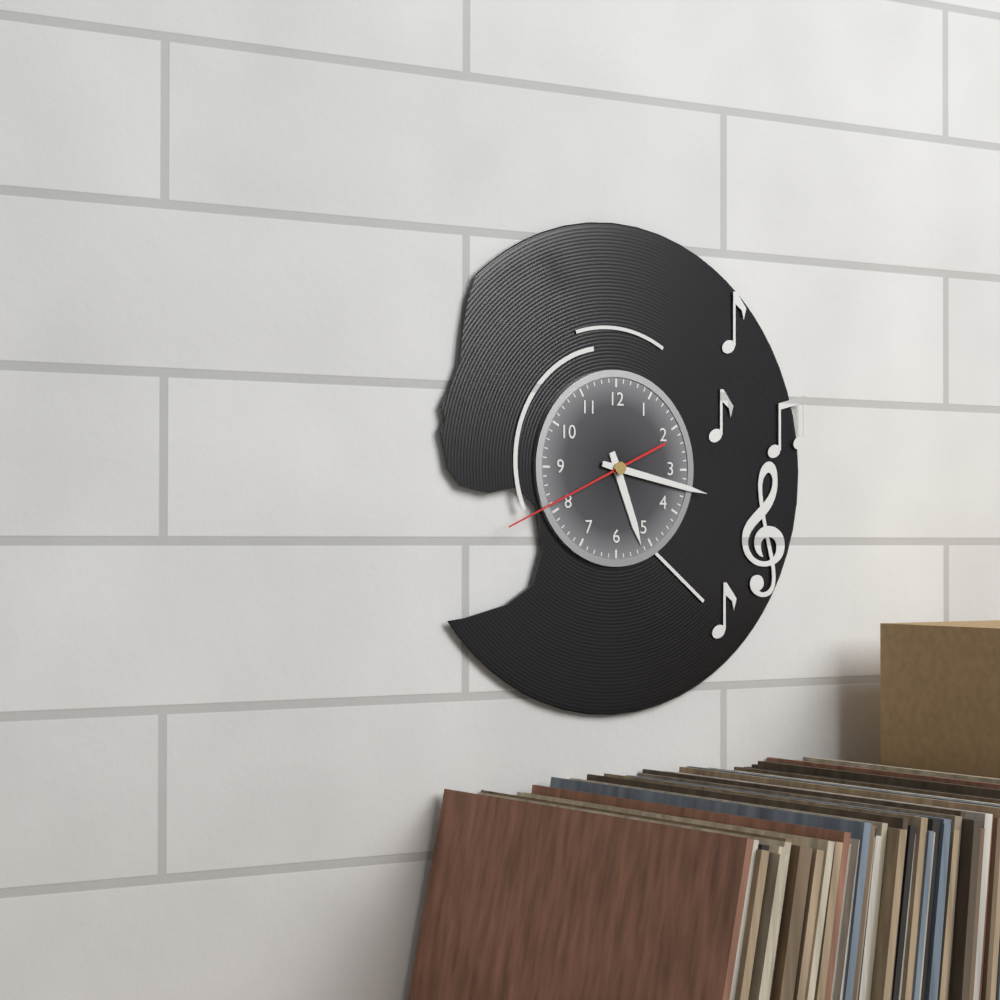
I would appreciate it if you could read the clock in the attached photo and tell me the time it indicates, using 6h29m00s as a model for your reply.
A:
5h17m41s
